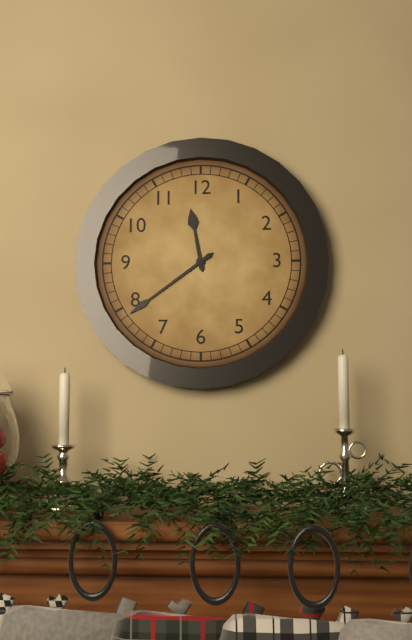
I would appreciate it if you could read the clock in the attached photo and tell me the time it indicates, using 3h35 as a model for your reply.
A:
11h39
